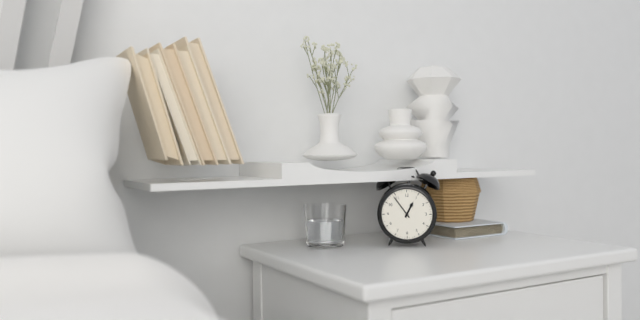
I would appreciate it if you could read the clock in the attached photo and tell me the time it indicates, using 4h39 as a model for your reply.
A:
12h54
